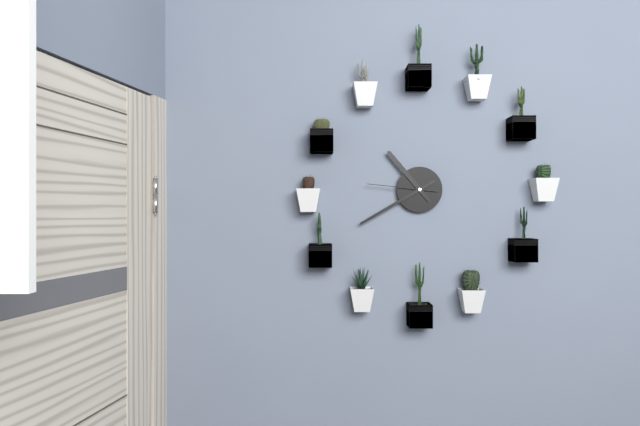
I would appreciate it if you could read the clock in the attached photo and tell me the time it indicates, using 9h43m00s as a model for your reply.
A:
10h40m46s
